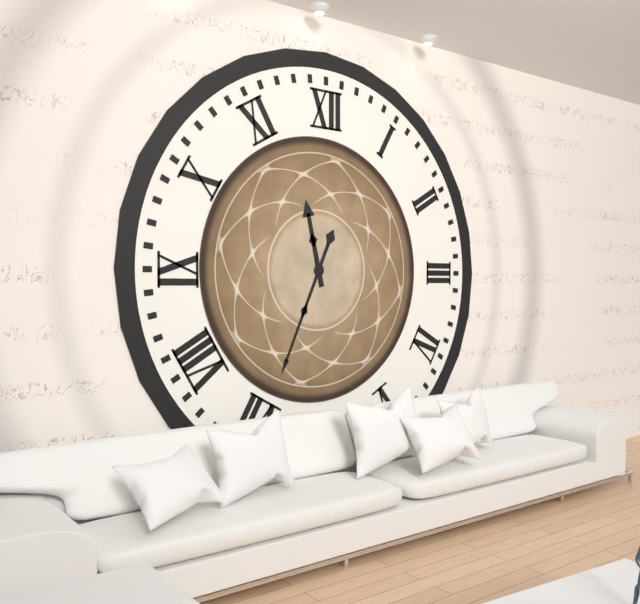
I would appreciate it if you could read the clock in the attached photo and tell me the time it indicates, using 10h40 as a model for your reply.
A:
11h34
